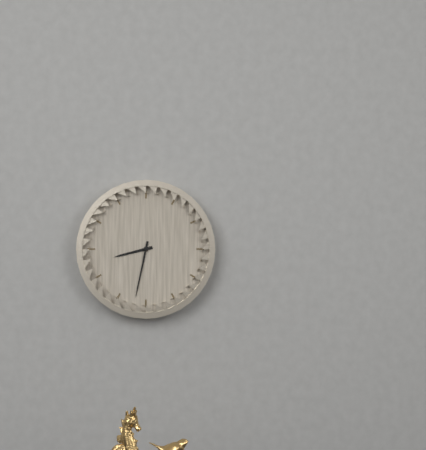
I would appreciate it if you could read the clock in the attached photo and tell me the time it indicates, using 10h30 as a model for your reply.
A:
8h32
